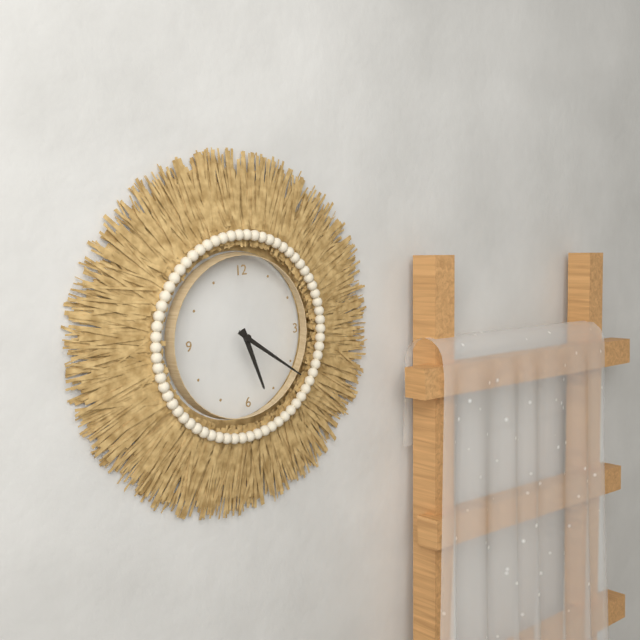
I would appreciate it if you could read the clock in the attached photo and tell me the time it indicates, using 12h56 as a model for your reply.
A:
5h21
